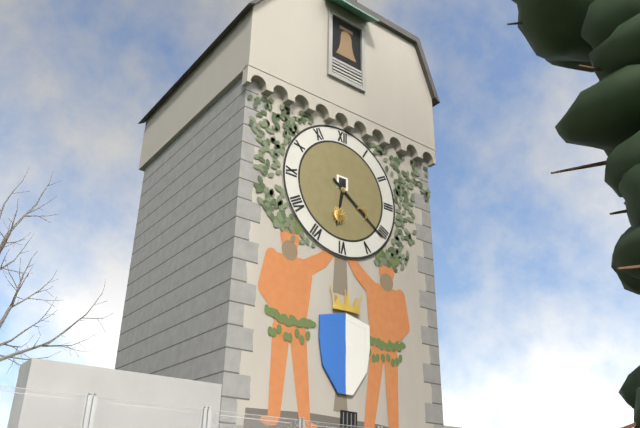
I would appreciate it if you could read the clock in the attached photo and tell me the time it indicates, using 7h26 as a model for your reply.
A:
6h21
